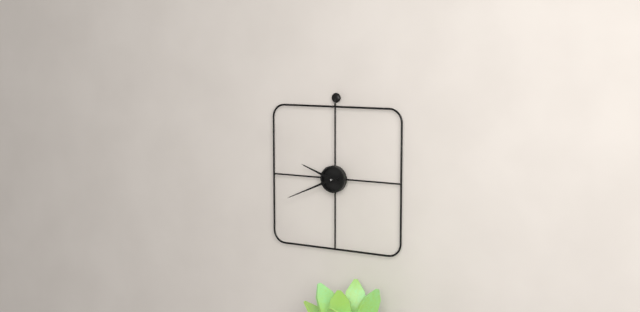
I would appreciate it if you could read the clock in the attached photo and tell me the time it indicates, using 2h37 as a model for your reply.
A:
9h41
